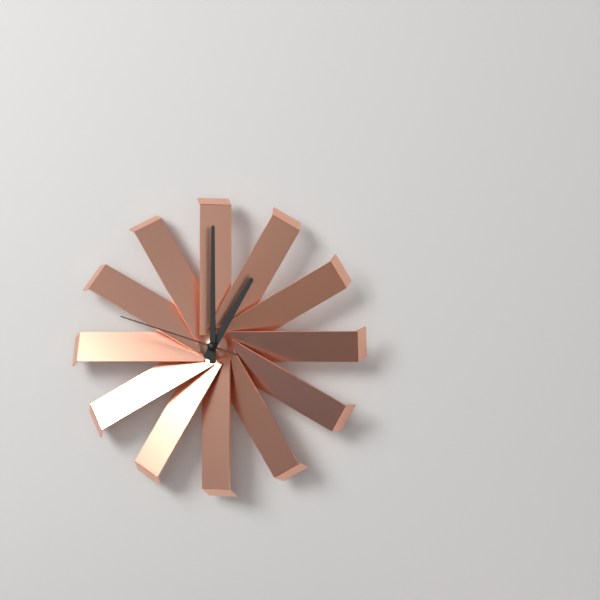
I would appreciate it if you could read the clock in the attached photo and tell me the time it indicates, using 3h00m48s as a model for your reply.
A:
1h00m48s
